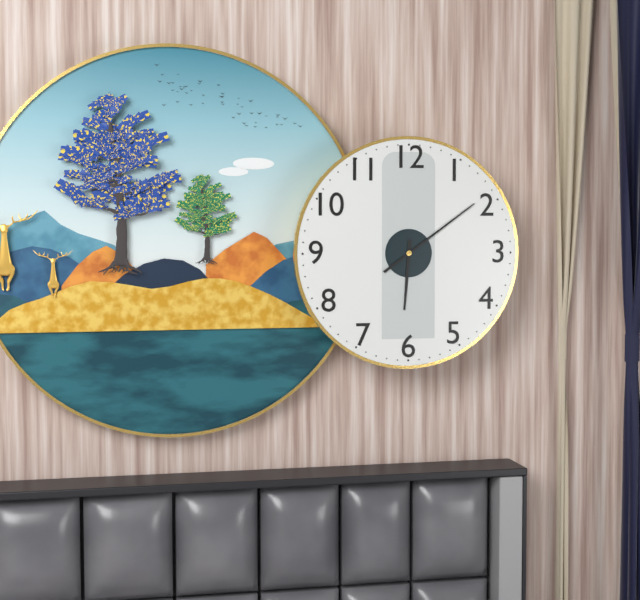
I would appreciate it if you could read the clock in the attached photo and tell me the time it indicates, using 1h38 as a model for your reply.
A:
6h09
